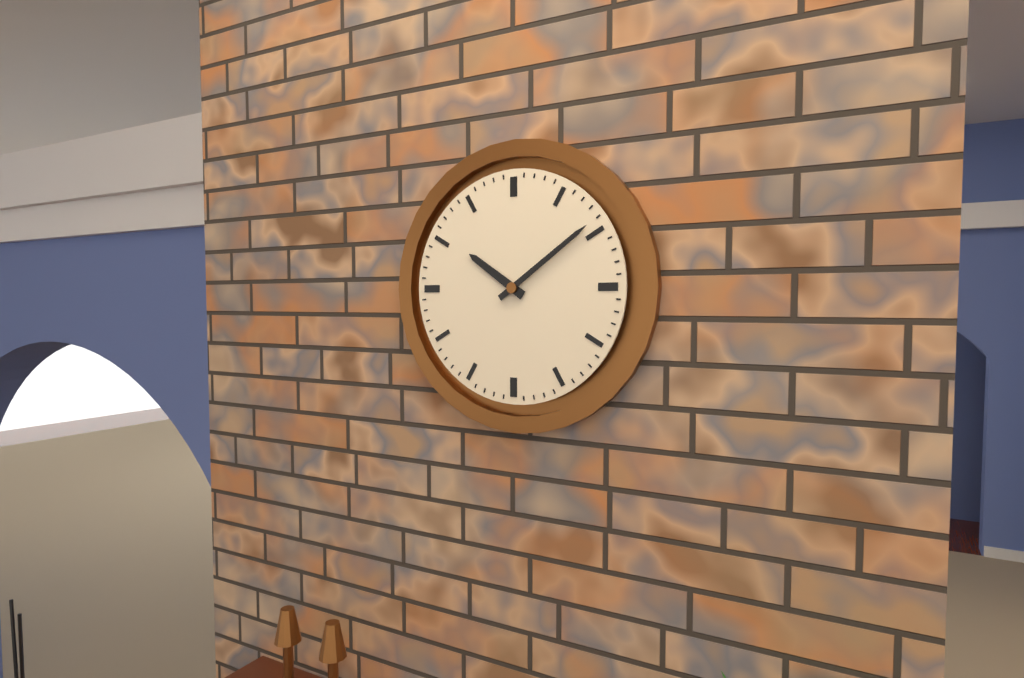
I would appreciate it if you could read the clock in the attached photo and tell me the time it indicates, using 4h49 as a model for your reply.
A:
10h09
